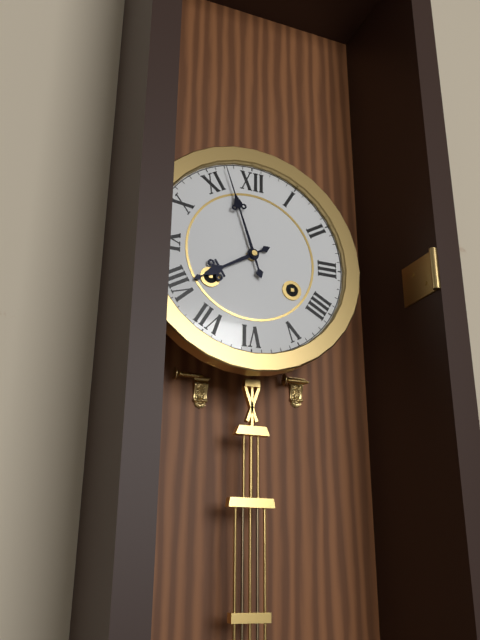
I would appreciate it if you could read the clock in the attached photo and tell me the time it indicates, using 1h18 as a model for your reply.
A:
7h57
